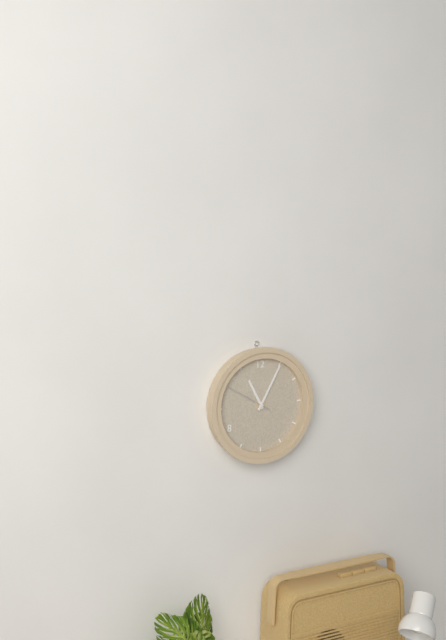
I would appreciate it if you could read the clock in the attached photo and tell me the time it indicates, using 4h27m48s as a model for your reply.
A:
11h05m50s
